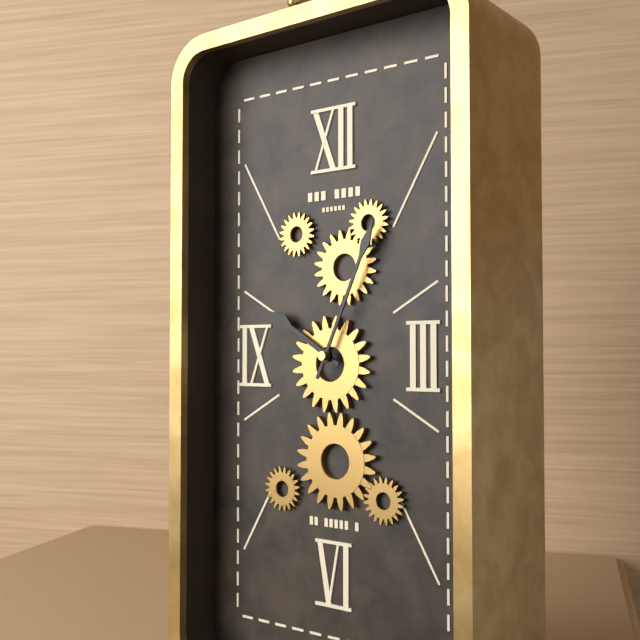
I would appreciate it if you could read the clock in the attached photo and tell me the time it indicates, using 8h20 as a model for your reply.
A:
10h04
